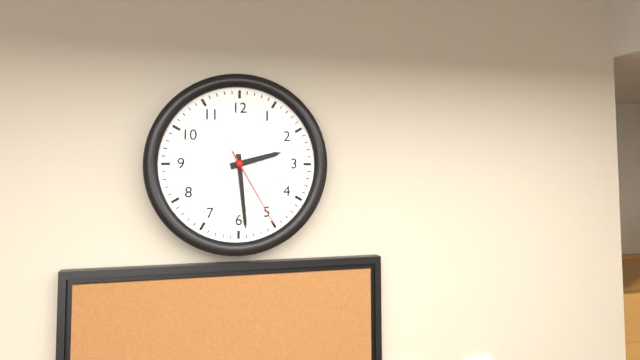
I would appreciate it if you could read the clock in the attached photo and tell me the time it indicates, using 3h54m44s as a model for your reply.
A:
2h29m25s
